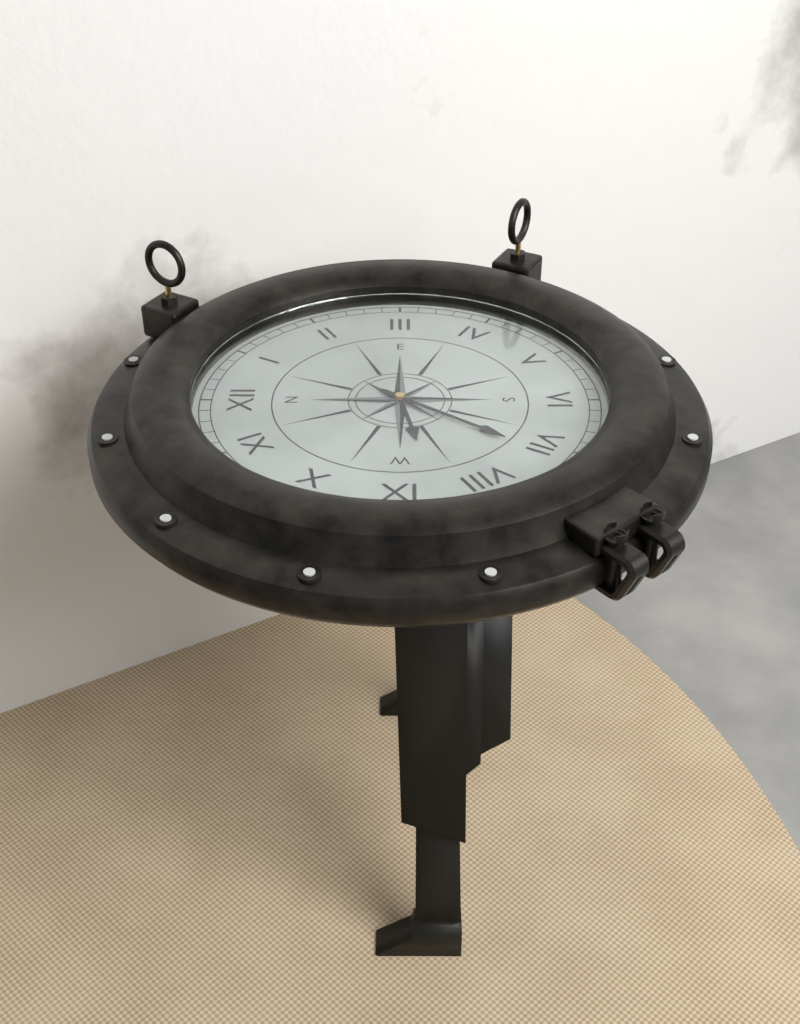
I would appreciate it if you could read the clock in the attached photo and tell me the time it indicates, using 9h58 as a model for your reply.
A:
8h36
